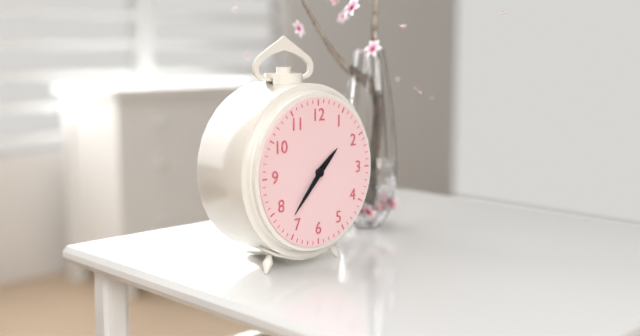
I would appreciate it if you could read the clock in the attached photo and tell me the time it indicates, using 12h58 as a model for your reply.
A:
1h37
